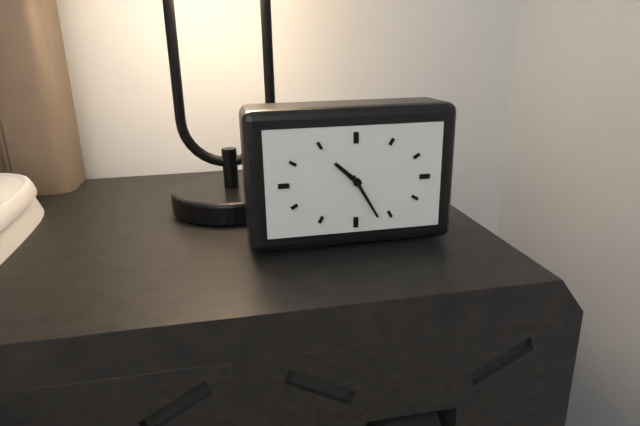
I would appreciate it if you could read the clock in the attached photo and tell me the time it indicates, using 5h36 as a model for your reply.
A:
10h25
